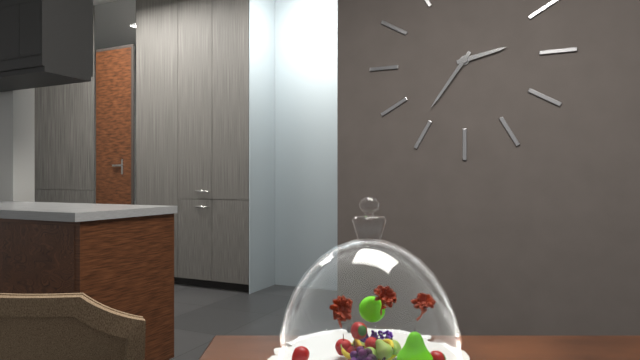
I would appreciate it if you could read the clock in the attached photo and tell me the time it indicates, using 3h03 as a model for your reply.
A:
2h36
